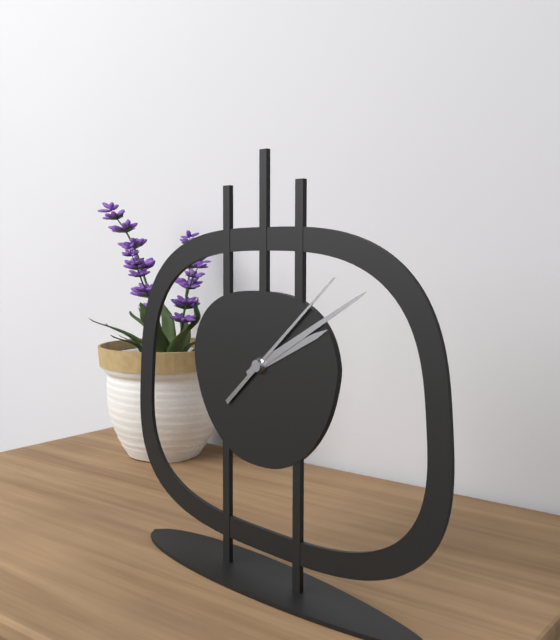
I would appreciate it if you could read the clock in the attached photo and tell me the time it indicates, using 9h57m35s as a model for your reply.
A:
2h10m08s
